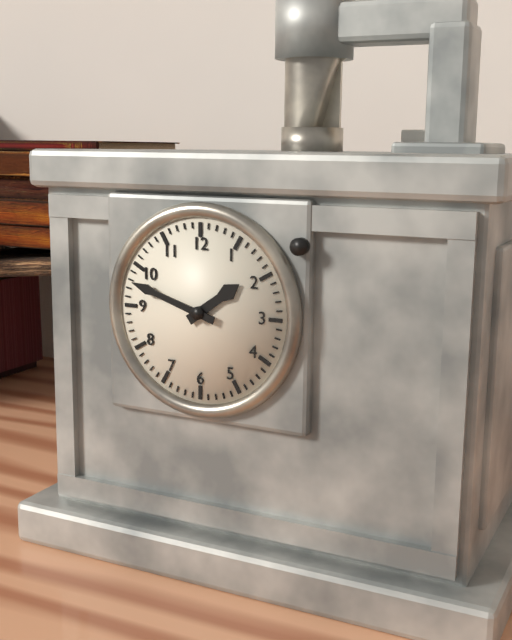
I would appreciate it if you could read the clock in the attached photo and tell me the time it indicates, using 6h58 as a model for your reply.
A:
1h48
